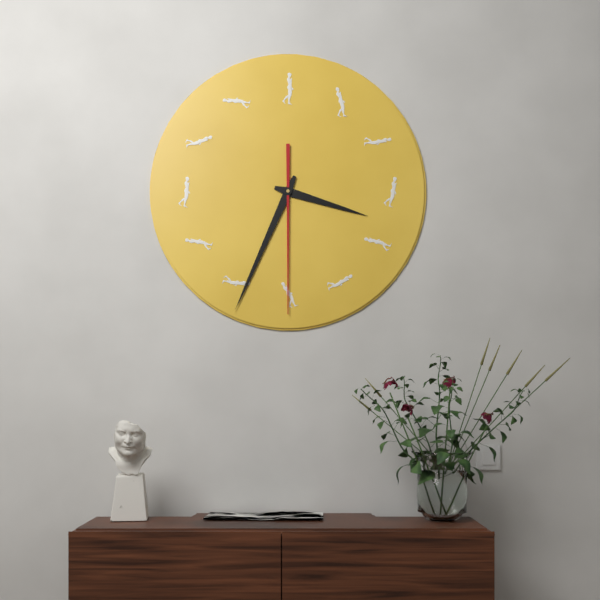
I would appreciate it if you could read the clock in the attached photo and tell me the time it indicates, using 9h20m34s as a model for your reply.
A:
3h34m30s
